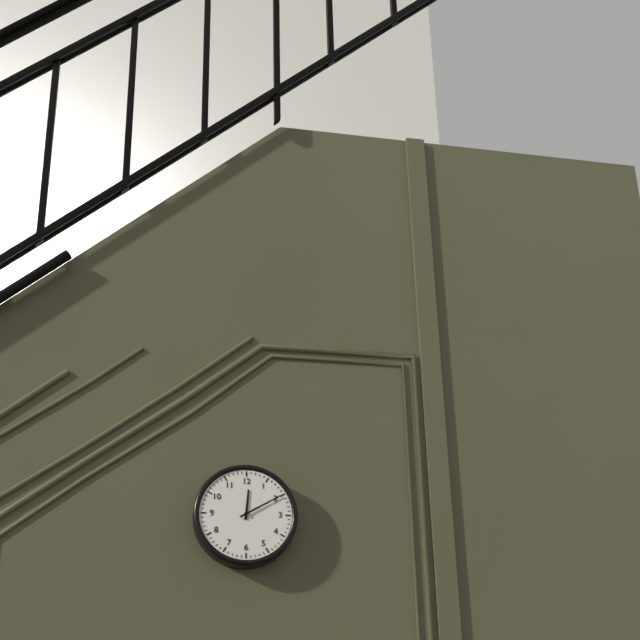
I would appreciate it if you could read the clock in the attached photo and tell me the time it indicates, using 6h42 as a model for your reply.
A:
12h10
